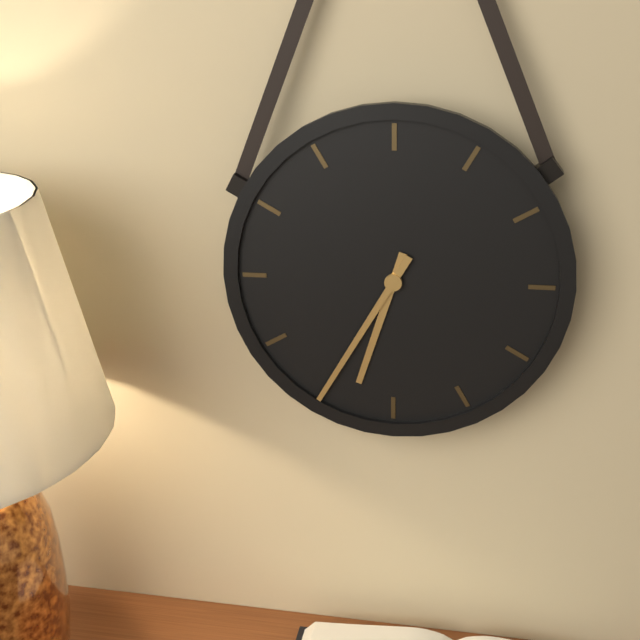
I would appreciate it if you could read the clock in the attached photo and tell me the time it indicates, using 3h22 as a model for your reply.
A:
6h35
